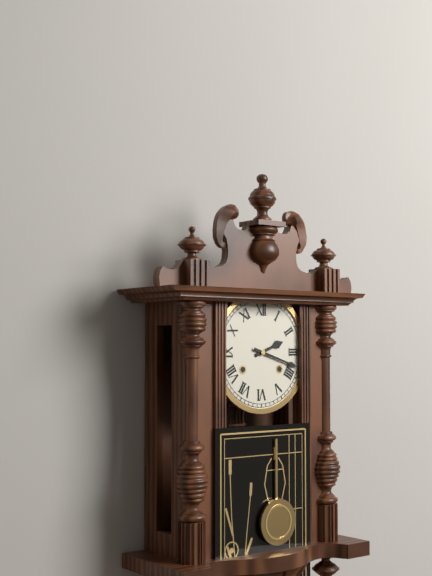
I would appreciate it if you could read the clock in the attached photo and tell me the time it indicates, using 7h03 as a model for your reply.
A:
2h18
